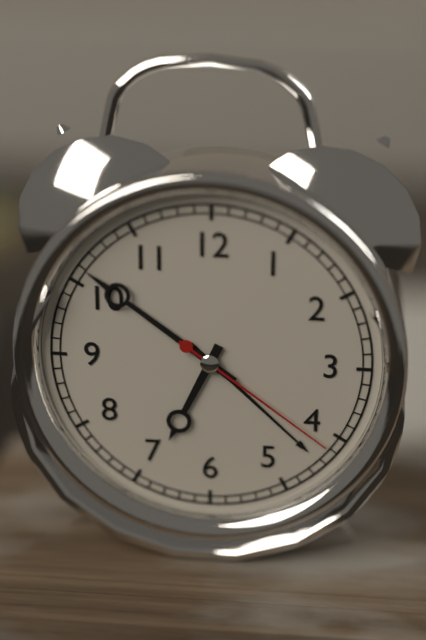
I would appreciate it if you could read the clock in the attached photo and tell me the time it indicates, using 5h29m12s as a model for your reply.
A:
6h51m21s
